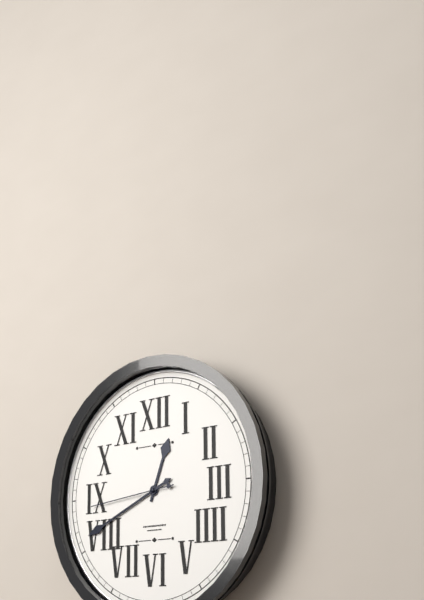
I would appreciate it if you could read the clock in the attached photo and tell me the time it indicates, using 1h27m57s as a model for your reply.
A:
12h41m44s
